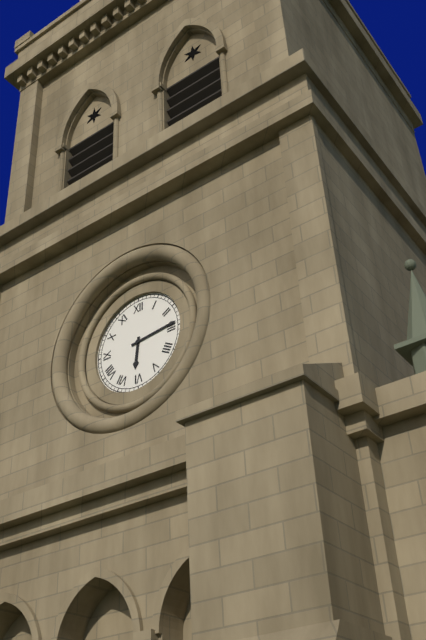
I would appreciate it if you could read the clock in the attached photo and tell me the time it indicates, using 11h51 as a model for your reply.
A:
6h14
